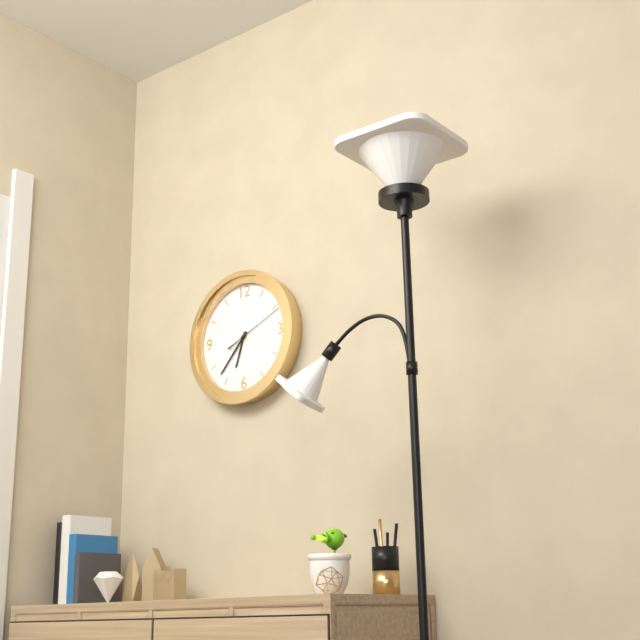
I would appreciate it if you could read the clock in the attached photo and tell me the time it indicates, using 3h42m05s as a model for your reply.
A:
6h37m11s
